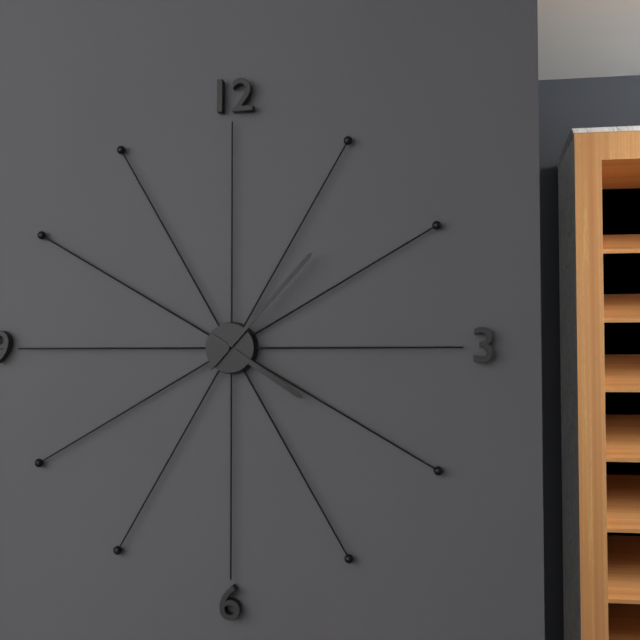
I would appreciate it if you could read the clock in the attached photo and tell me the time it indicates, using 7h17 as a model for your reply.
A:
4h07
